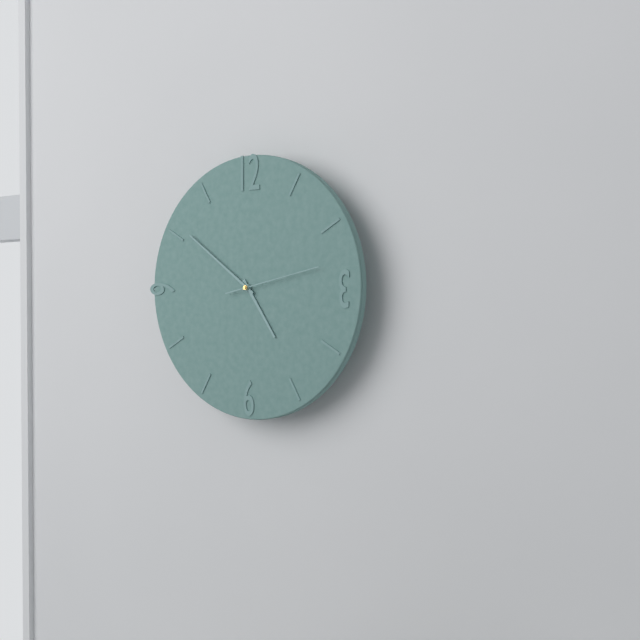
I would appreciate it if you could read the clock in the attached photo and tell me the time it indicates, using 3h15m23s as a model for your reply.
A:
4h51m13s
